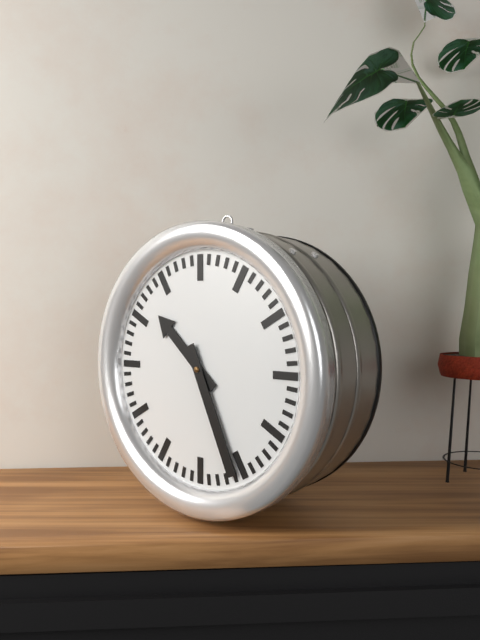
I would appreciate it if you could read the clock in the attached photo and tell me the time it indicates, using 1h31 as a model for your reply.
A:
10h26
